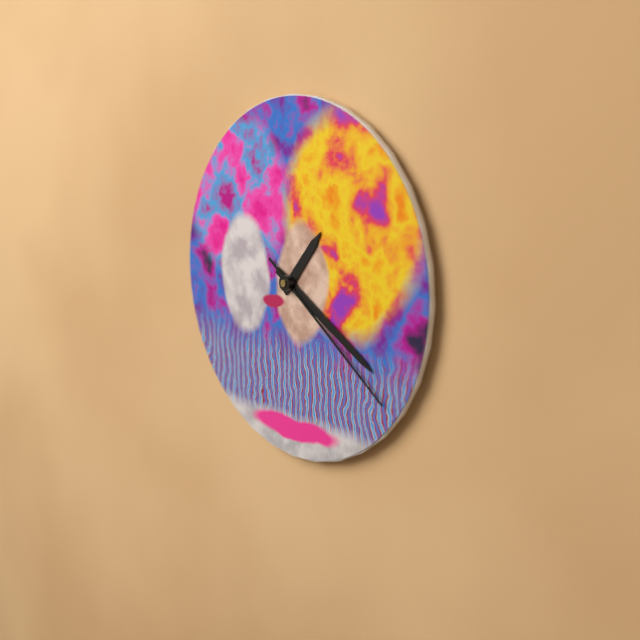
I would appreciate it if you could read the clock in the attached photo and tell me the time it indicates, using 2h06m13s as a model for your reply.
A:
1h20m21s
